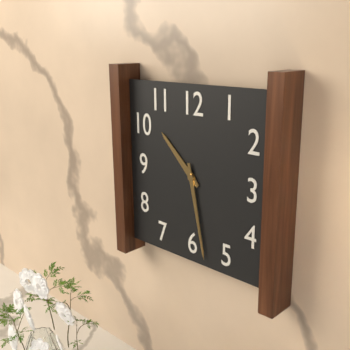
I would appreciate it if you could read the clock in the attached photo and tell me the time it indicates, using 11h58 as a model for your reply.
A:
10h28
